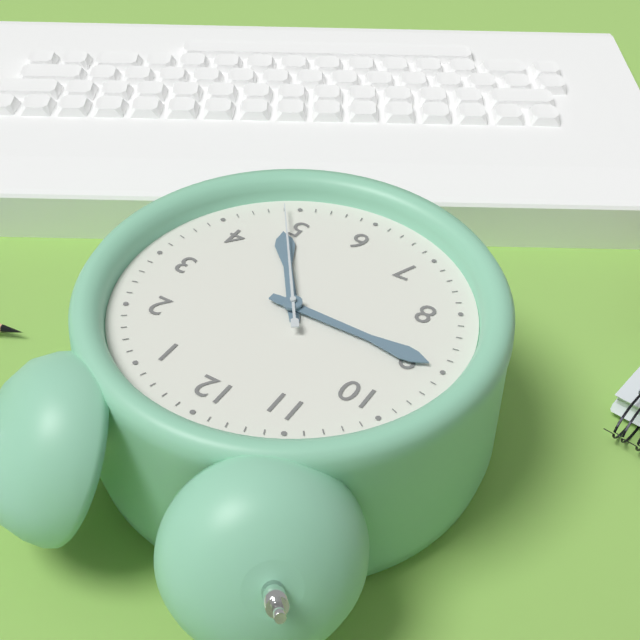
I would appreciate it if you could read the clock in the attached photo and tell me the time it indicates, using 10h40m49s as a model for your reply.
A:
4h45m24s
